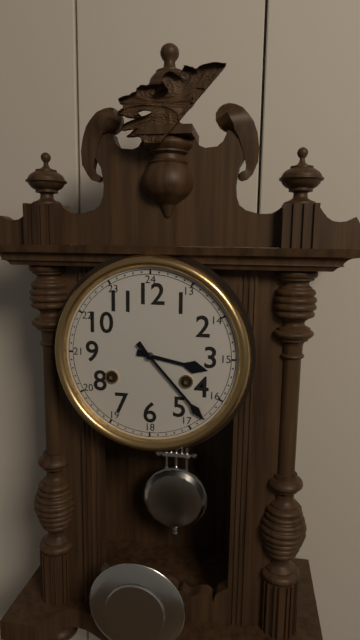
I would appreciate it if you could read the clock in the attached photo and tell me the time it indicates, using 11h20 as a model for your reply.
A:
3h23
